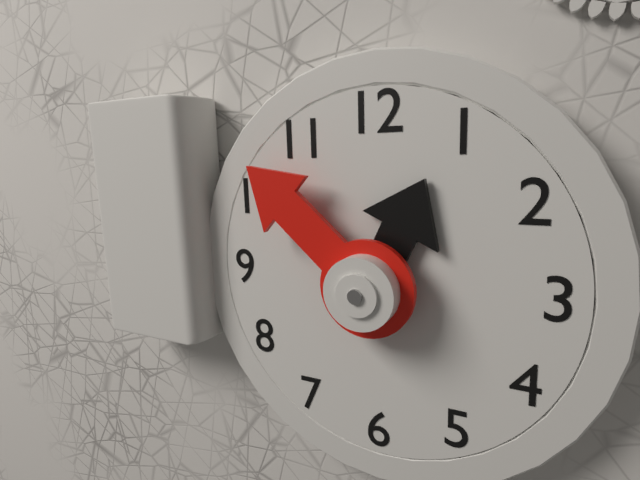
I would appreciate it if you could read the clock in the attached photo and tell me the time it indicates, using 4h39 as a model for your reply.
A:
12h52
